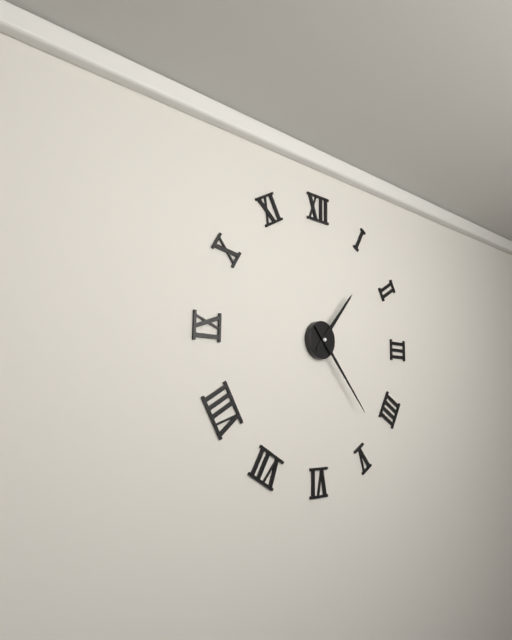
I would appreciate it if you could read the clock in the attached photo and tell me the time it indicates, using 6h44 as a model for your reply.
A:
1h23
